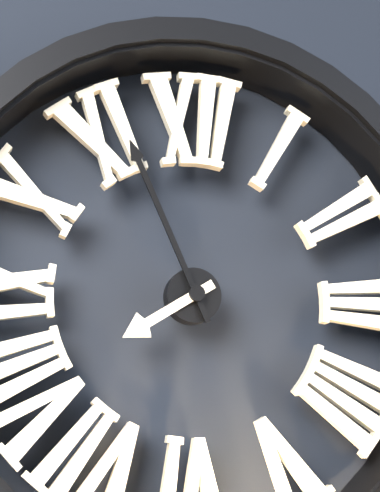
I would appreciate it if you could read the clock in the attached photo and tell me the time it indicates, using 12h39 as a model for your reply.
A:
7h56
